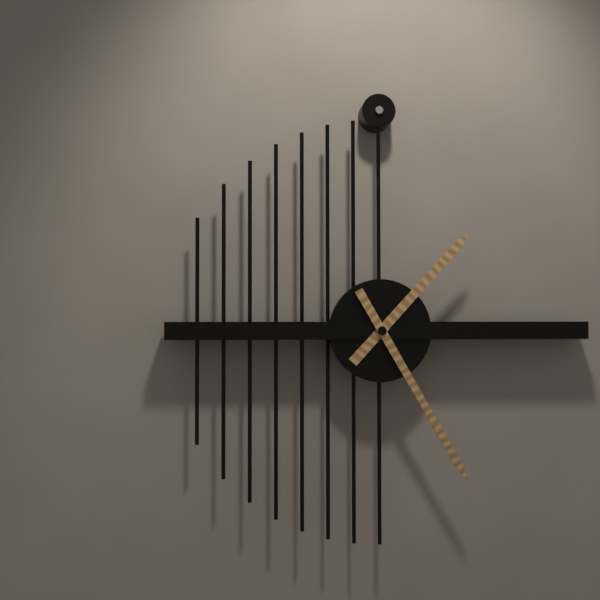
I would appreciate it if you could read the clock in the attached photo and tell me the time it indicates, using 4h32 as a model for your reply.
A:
1h25
